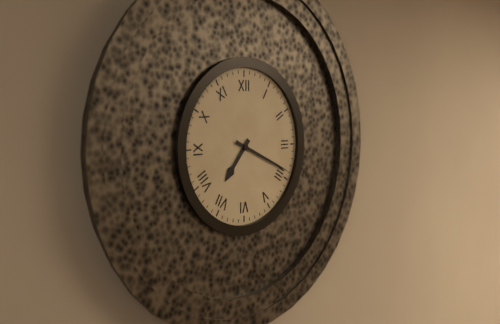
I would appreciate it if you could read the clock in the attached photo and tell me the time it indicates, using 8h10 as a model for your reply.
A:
7h19
